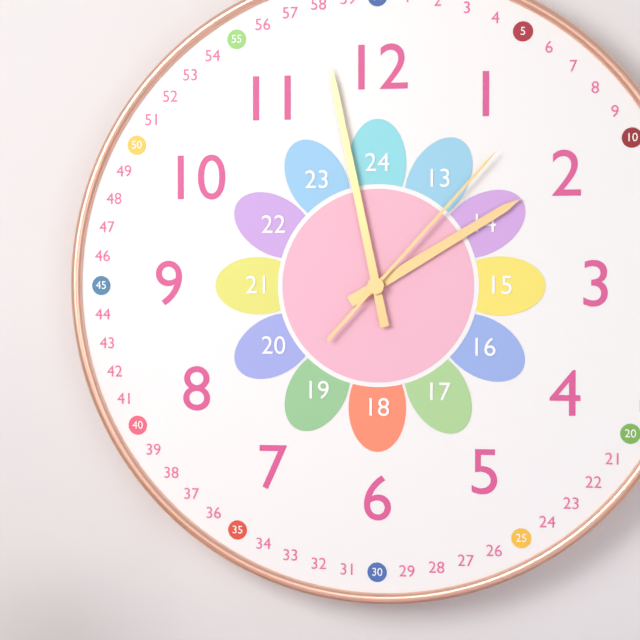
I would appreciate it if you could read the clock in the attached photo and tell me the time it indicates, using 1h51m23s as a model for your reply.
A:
1h58m07s
